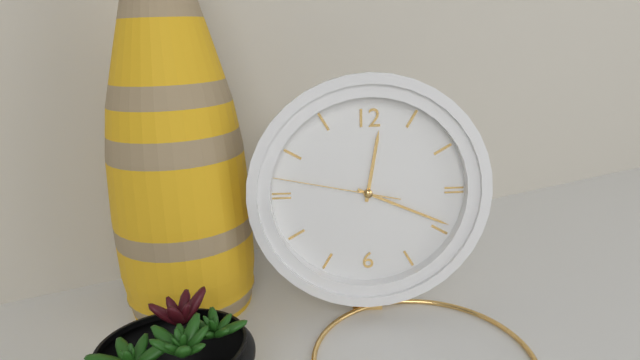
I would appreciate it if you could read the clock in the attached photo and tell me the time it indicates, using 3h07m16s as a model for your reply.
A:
12h19m47s
